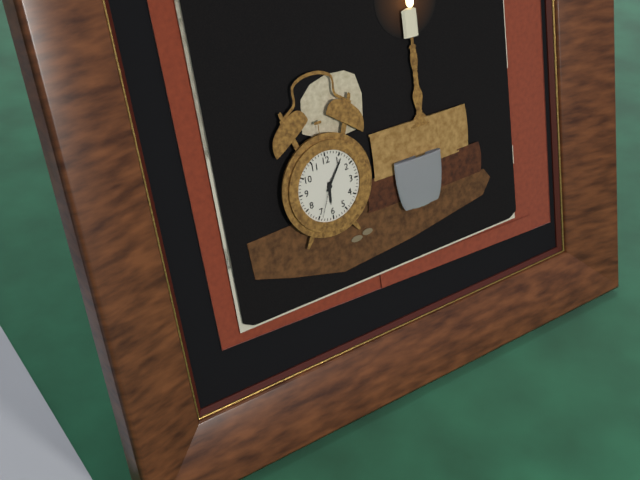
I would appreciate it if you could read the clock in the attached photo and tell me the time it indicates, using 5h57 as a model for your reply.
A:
6h06
